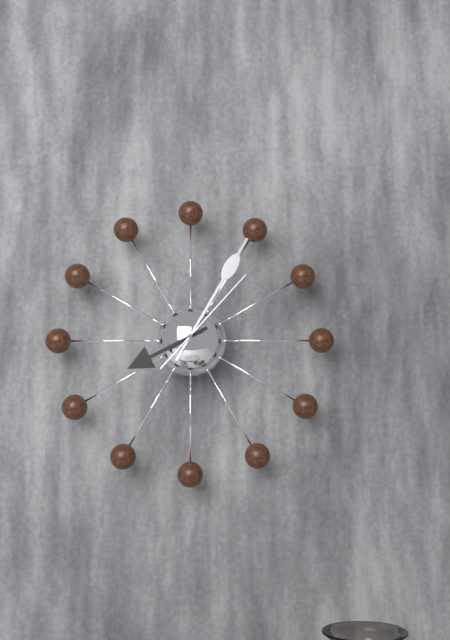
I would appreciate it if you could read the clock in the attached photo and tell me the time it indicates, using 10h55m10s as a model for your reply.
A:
8h05m07s
